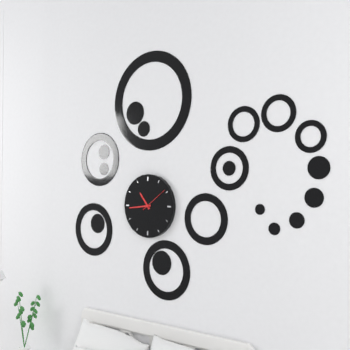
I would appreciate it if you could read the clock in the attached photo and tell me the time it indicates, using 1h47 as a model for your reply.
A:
10h44
